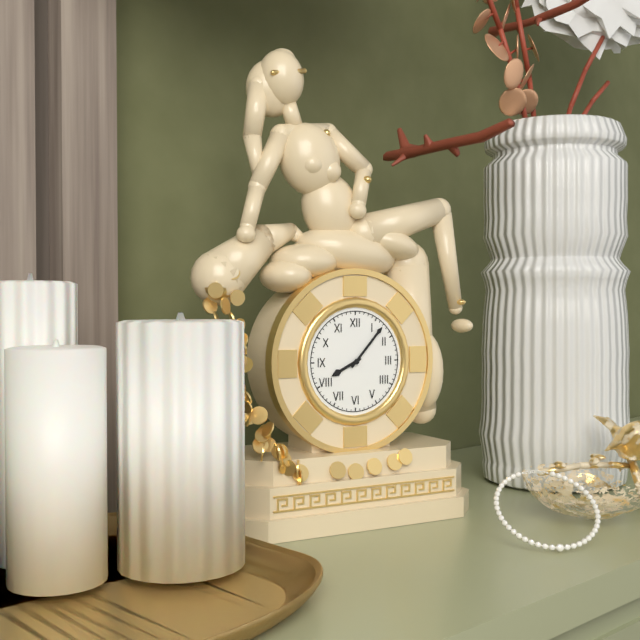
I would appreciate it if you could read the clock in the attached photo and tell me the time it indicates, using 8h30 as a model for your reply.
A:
8h07
